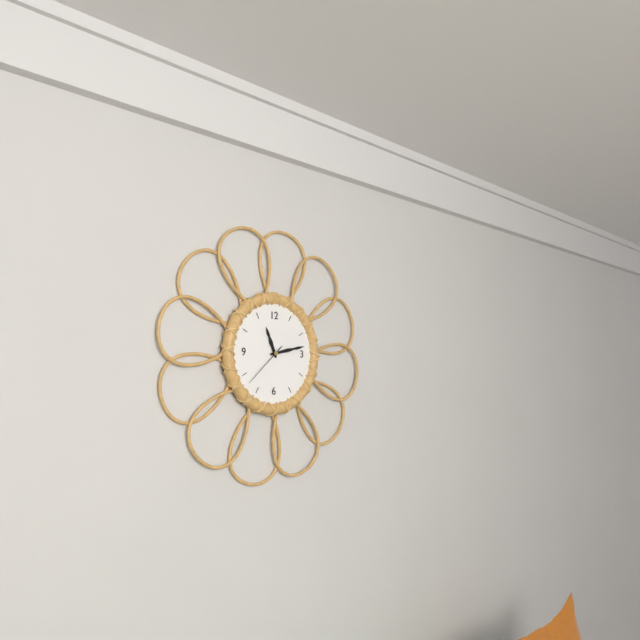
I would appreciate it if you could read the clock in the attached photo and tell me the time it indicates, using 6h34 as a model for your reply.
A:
11h13
